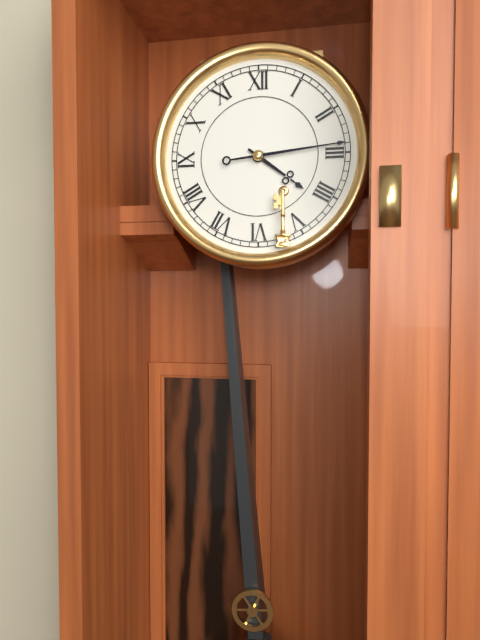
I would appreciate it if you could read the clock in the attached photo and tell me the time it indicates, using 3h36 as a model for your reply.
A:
4h14
